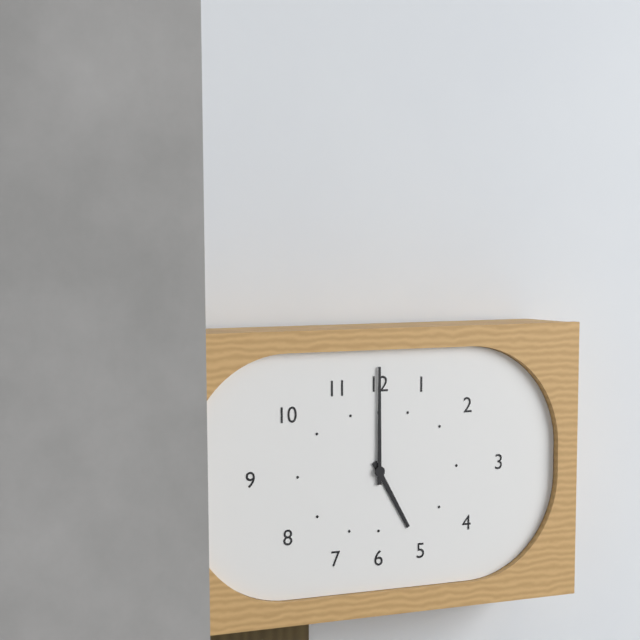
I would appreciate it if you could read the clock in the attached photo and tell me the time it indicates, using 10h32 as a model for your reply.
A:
5h00
